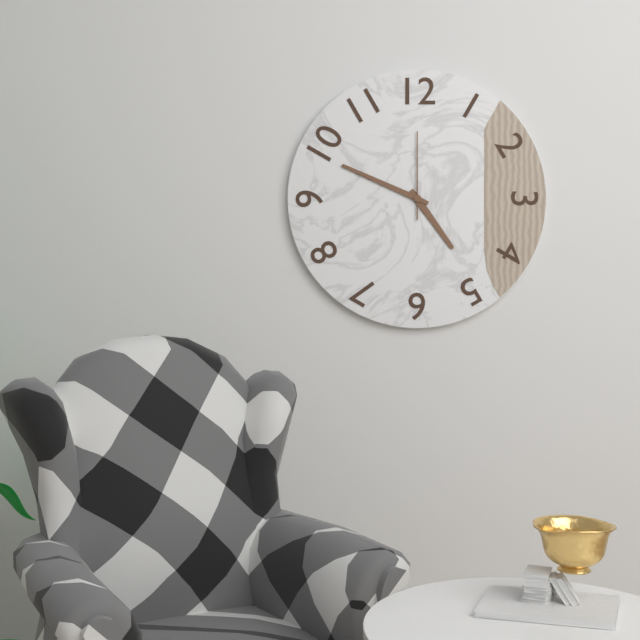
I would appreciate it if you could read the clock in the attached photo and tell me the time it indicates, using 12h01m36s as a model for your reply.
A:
4h49m00s
